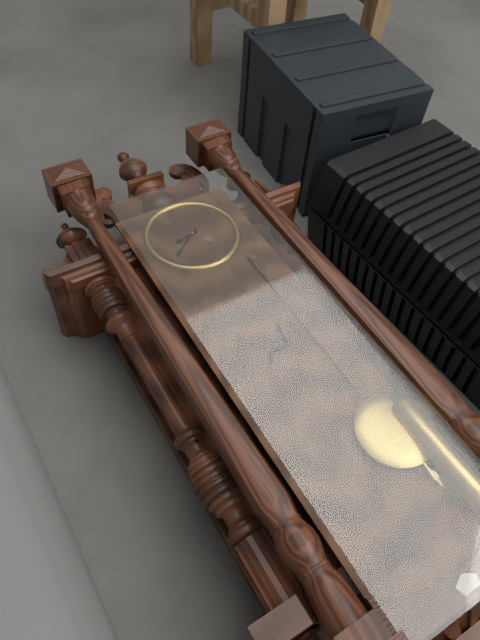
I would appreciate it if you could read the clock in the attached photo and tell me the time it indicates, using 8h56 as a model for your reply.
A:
8h39
